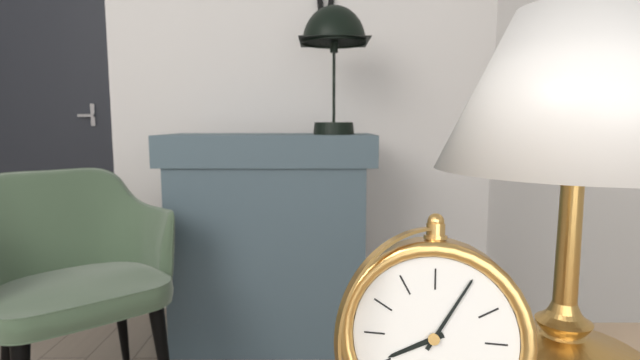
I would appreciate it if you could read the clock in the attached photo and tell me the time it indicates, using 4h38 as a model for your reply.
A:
8h05
